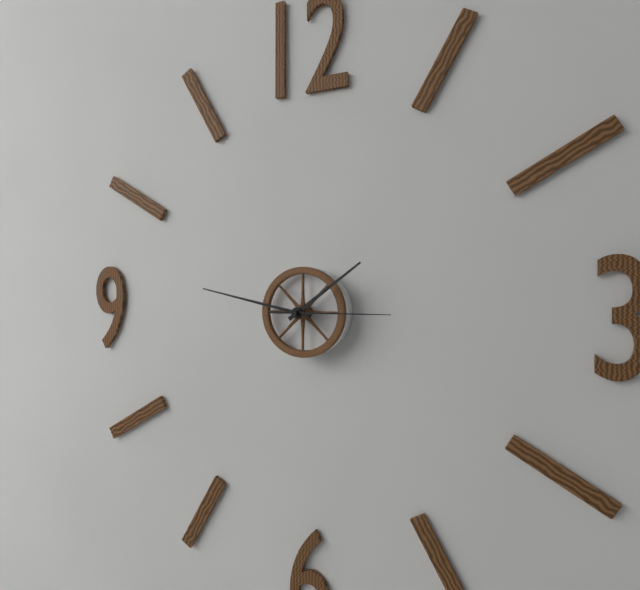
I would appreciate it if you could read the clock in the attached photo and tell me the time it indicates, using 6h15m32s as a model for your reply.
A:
1h47m15s
